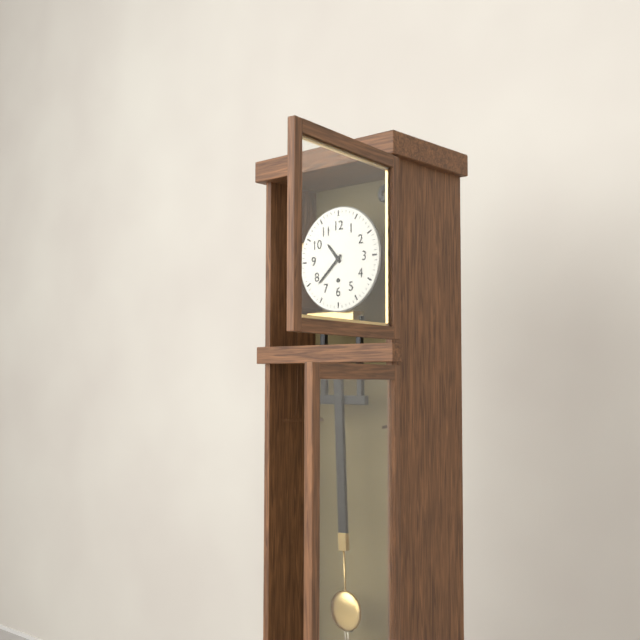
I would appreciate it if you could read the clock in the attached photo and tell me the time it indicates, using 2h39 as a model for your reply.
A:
10h38
